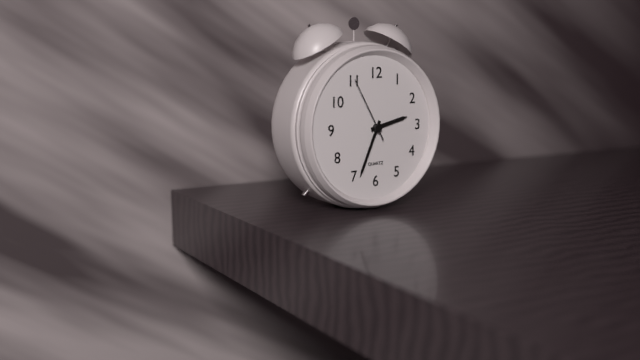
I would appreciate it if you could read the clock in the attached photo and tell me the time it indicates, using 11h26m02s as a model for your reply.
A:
2h34m55s
